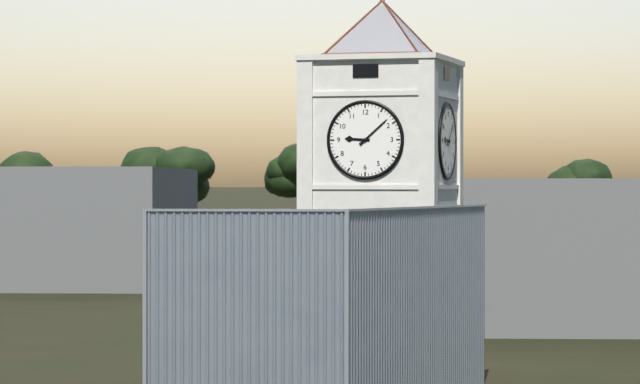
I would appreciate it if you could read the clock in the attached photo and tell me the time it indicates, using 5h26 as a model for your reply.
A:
9h08
